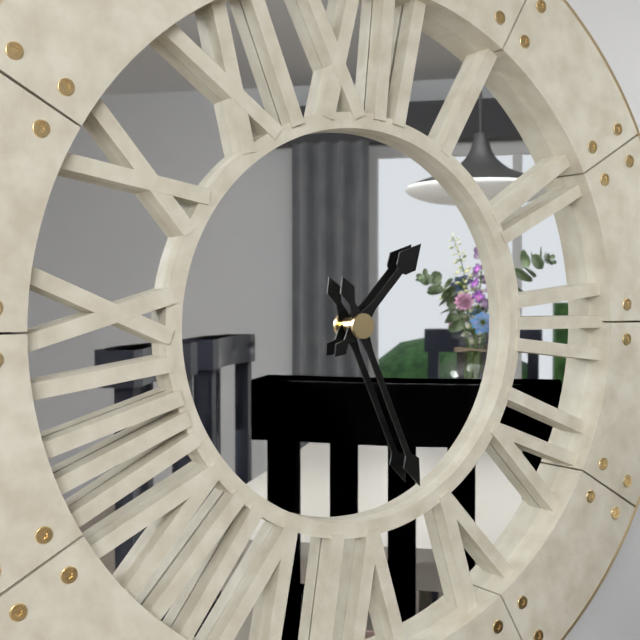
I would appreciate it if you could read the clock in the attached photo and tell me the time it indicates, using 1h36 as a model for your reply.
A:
1h26
